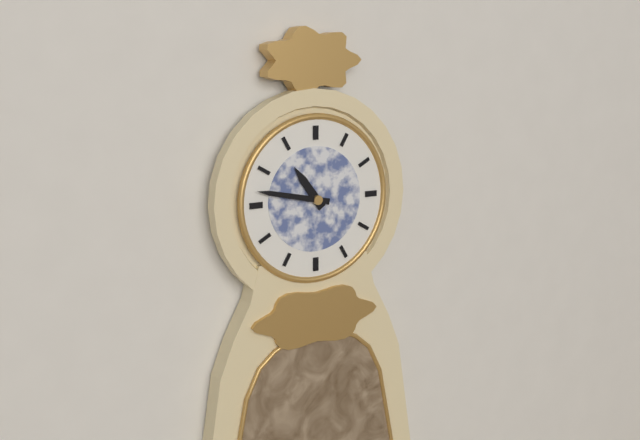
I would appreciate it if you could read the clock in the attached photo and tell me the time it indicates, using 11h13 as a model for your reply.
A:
10h47
